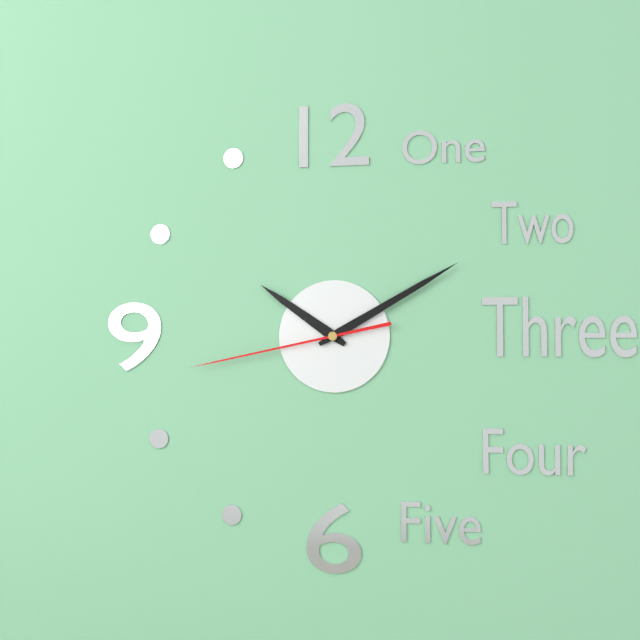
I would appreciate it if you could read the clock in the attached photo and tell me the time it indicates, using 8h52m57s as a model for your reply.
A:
10h10m43s
